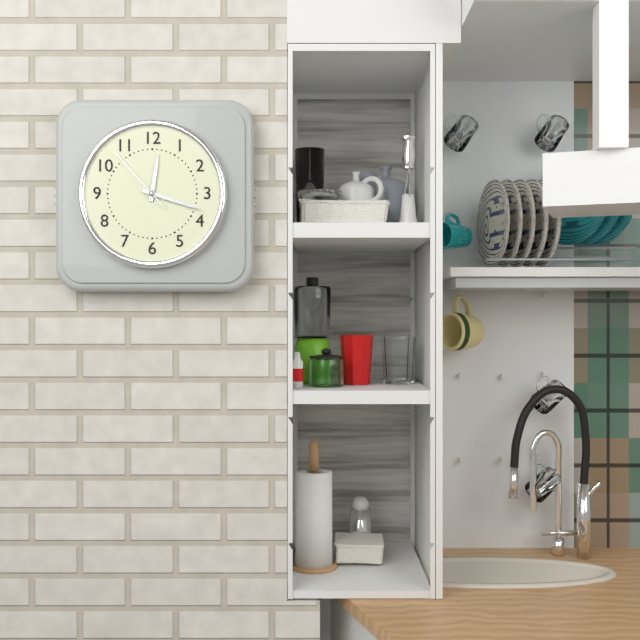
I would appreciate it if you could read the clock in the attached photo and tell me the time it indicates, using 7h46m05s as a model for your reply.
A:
12h18m53s
